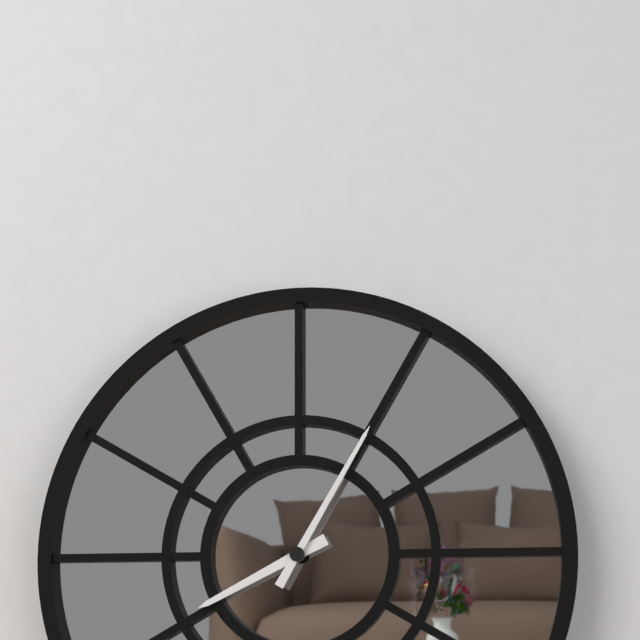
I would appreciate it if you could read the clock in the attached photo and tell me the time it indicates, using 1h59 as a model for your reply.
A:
8h05
